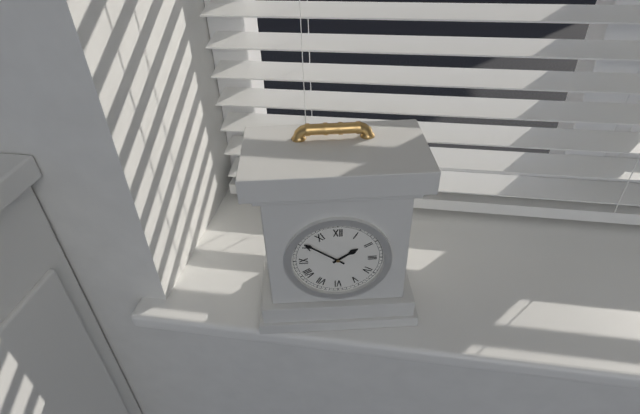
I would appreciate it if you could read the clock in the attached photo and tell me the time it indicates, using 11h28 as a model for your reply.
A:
1h51
